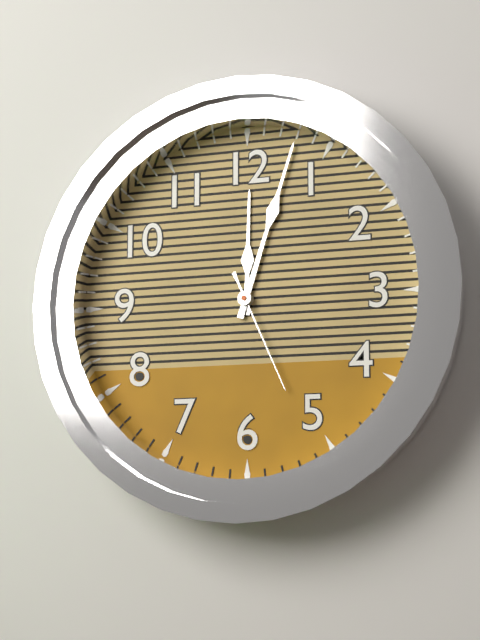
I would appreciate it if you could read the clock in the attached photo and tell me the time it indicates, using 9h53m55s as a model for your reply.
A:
12h03m26s
